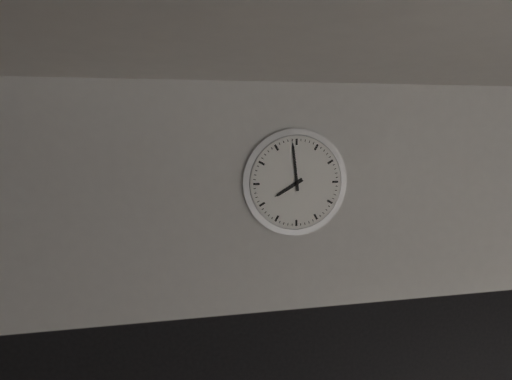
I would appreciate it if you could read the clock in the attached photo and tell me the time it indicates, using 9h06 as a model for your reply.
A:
7h59
